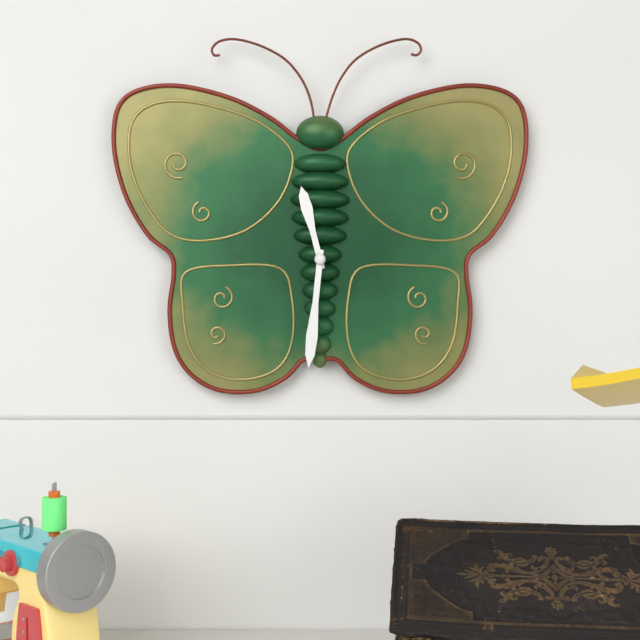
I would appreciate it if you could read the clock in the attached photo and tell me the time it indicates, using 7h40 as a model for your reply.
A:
11h31
